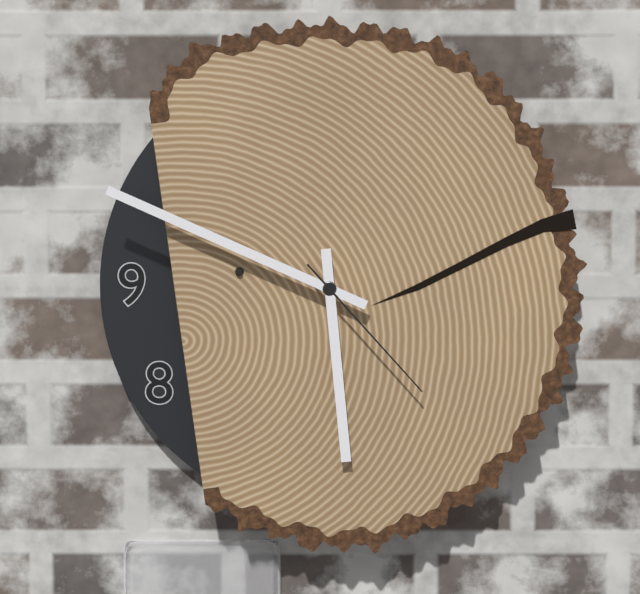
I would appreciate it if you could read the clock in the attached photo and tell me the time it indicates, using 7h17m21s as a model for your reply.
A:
5h49m23s
